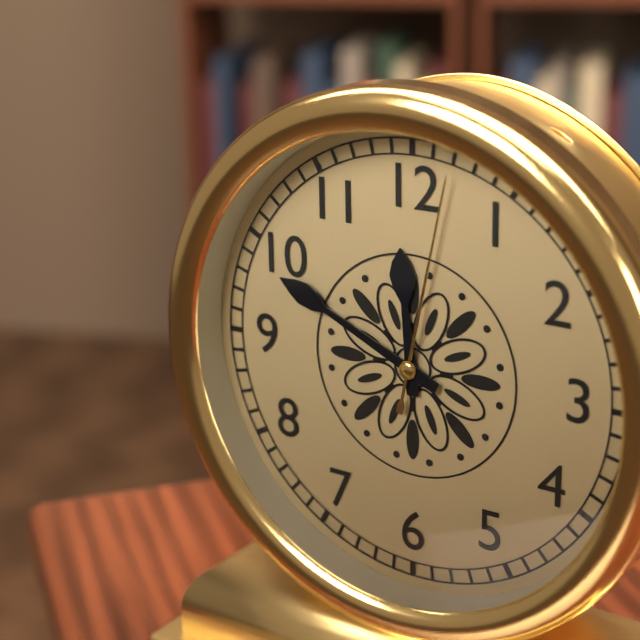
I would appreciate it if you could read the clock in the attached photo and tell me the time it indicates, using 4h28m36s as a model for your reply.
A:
11h49m02s
